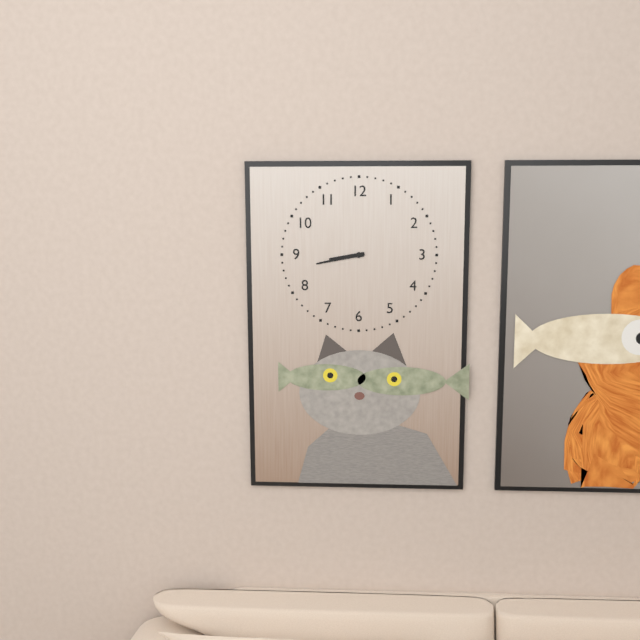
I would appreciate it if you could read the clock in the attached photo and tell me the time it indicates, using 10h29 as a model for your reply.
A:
8h43
